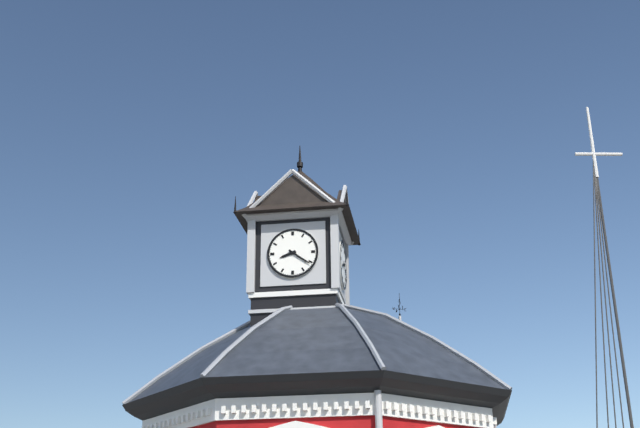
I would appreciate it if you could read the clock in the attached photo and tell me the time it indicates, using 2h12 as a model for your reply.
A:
8h21
